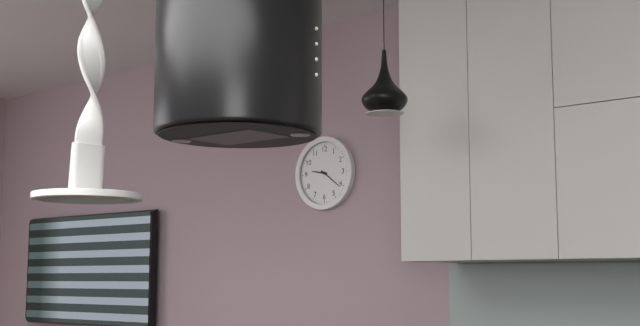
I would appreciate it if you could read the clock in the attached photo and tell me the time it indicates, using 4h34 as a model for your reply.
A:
9h21
